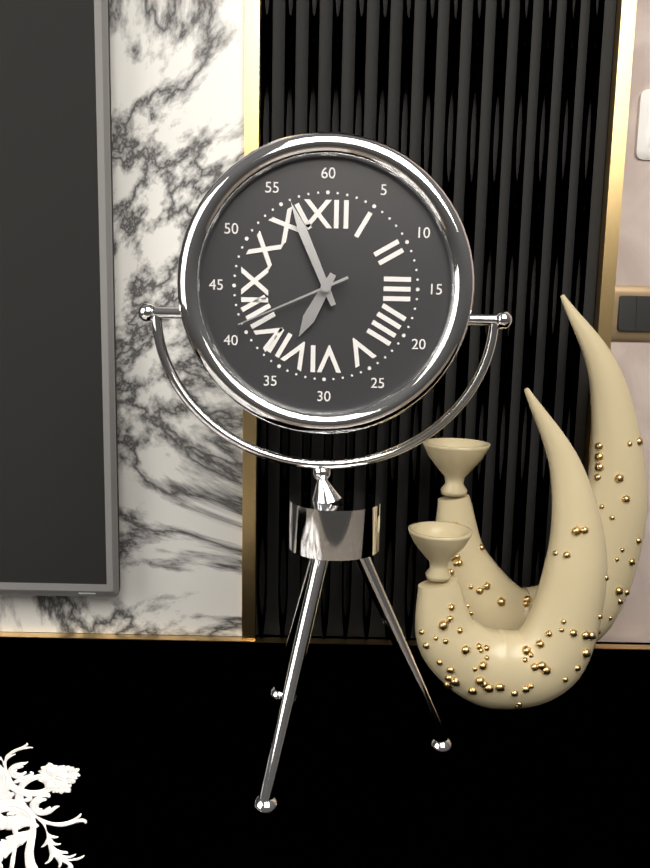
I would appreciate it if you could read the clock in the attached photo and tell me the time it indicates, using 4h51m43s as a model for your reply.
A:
6h56m41s
